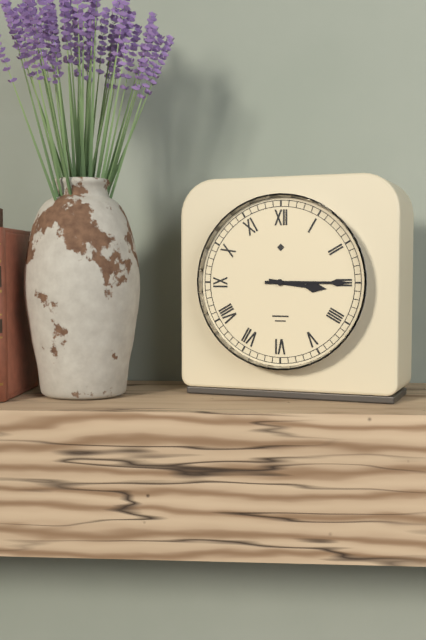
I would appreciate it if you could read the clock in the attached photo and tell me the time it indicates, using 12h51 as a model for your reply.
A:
3h15
